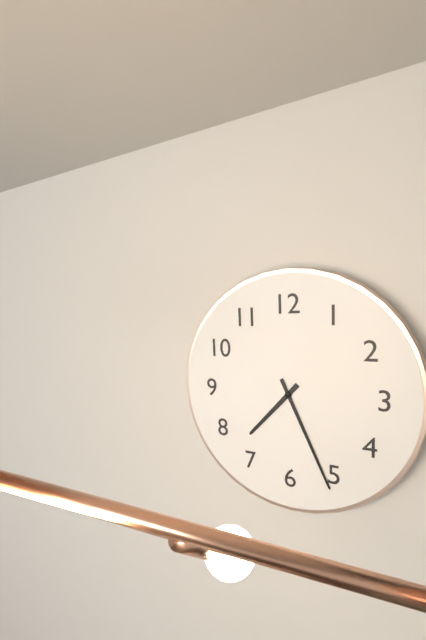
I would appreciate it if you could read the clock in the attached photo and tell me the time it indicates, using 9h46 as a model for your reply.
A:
7h26
